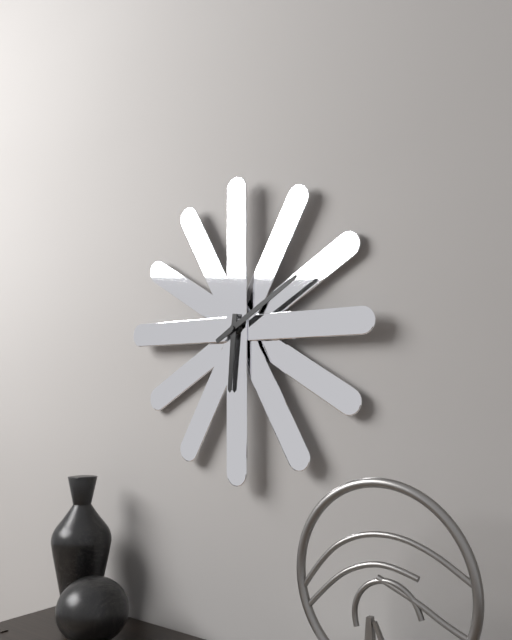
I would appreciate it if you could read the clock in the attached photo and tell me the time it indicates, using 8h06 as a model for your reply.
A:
6h10
